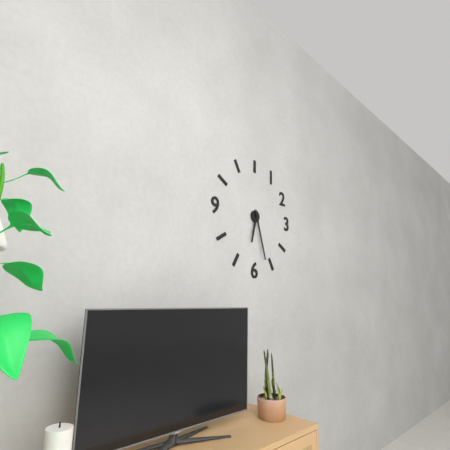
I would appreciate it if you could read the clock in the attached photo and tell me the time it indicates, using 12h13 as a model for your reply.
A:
6h27
